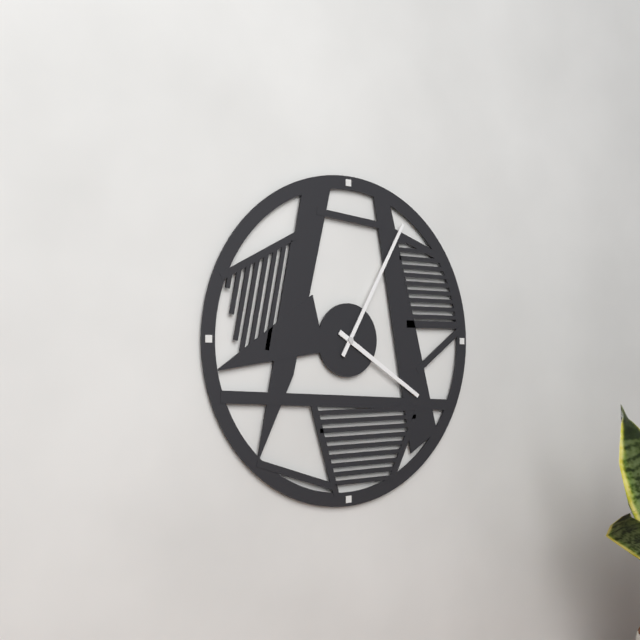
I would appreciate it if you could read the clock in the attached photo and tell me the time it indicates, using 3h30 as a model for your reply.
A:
4h05
